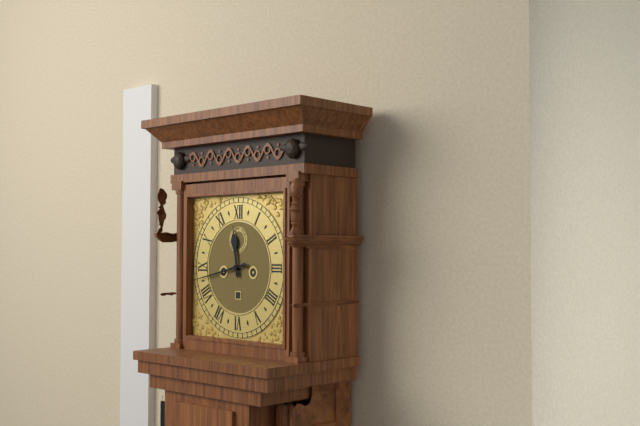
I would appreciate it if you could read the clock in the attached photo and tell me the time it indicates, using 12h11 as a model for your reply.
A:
11h43
